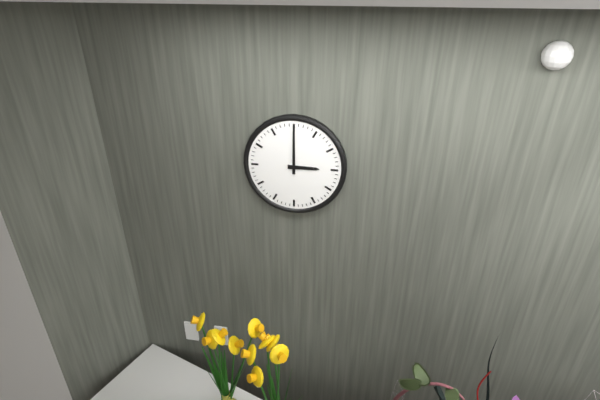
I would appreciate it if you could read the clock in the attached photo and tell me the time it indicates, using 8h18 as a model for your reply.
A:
3h00
